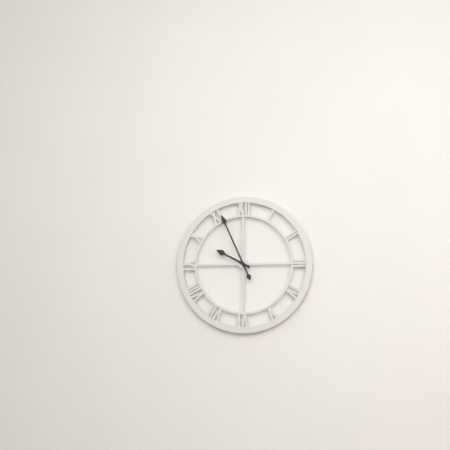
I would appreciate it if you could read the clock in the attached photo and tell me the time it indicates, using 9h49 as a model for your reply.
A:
9h56
